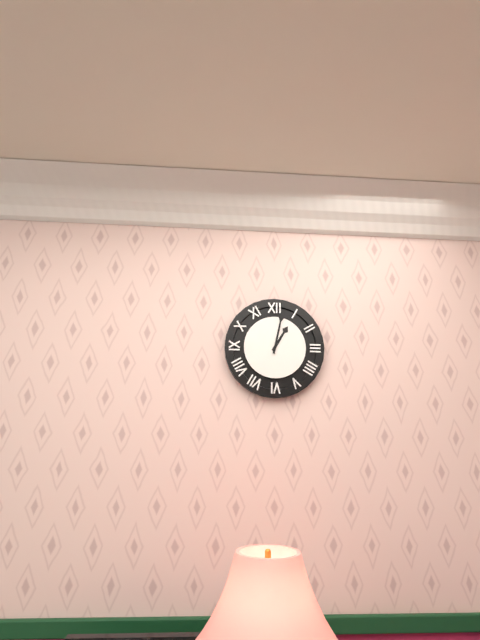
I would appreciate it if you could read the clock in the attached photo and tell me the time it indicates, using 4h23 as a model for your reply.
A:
1h02
